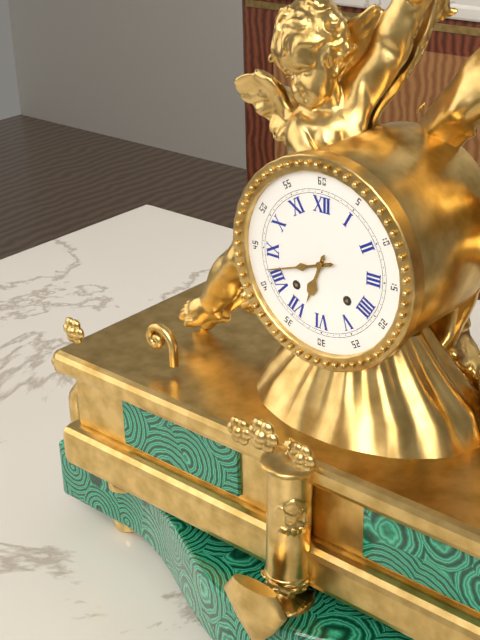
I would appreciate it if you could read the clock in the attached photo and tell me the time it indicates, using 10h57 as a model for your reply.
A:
6h42
